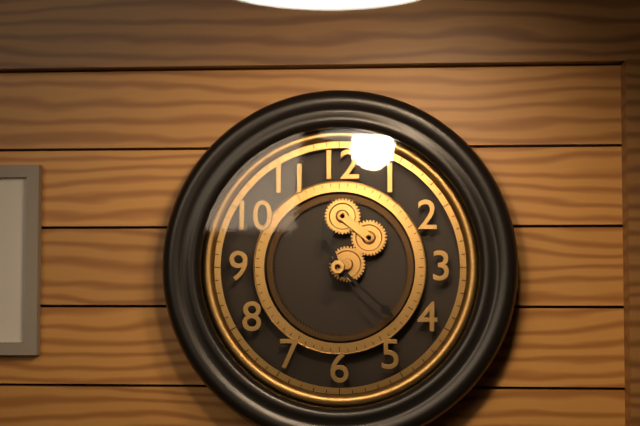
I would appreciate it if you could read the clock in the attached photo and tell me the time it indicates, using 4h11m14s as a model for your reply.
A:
11h22m24s
